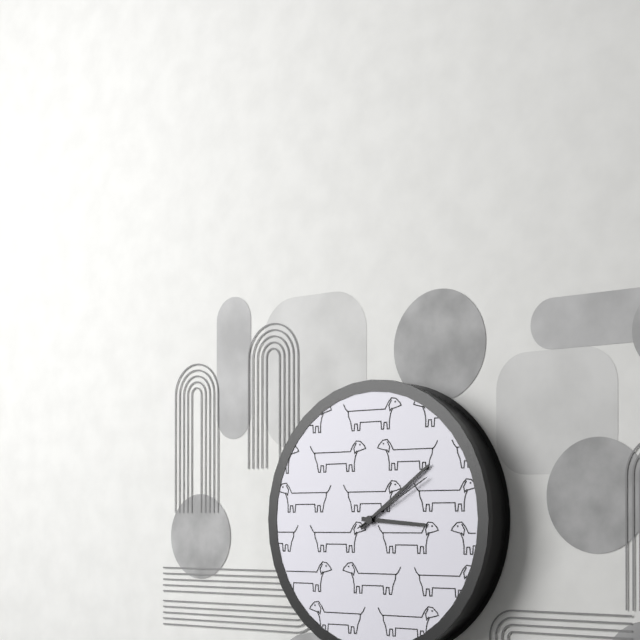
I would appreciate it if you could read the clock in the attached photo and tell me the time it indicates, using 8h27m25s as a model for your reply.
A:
3h09m10s
